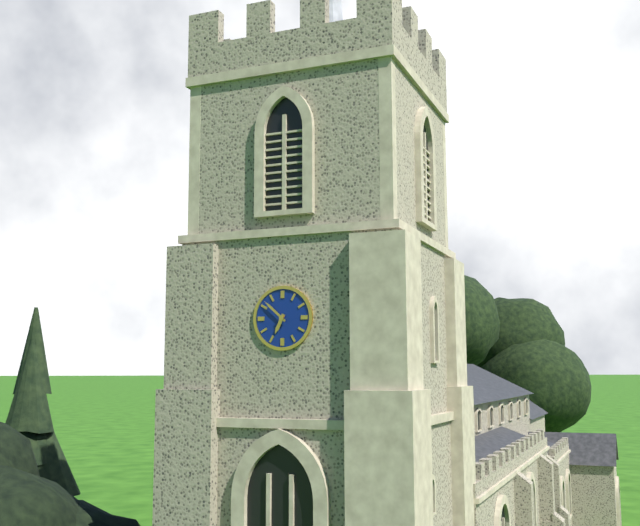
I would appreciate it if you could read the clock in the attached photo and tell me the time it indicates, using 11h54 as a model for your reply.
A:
6h52
